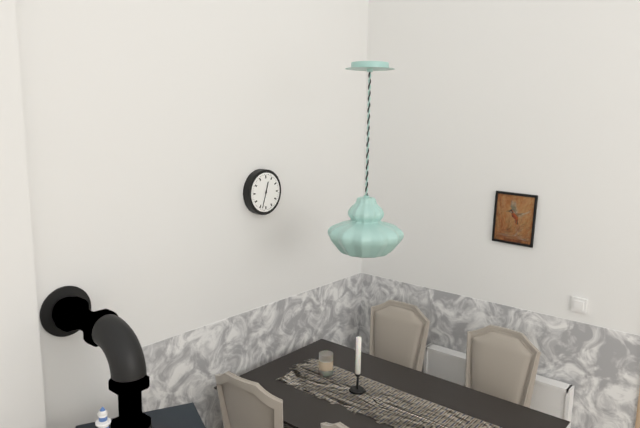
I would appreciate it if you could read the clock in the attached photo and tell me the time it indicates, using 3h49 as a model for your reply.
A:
12h33
